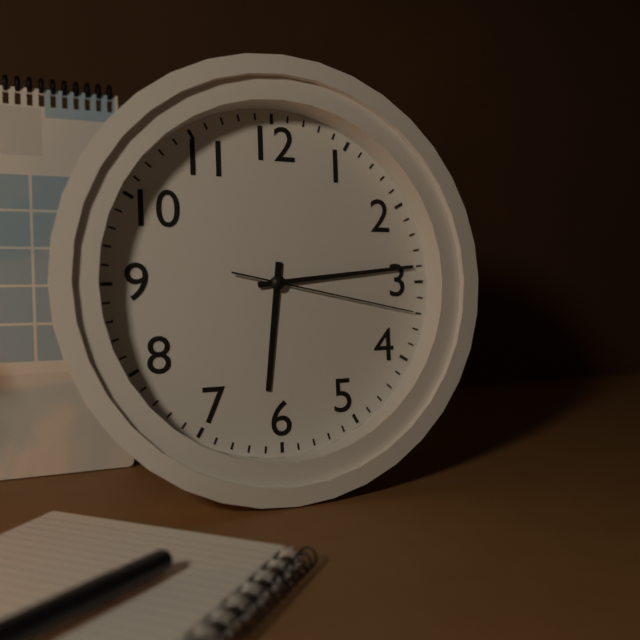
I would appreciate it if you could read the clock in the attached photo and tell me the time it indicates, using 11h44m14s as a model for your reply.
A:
6h14m17s
